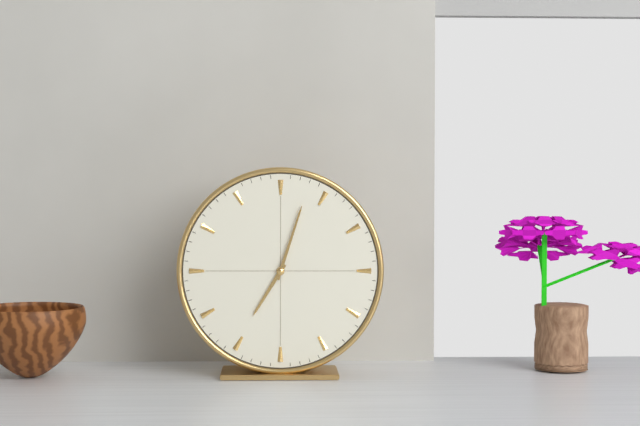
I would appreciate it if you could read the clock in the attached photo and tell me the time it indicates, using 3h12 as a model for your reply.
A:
7h03
